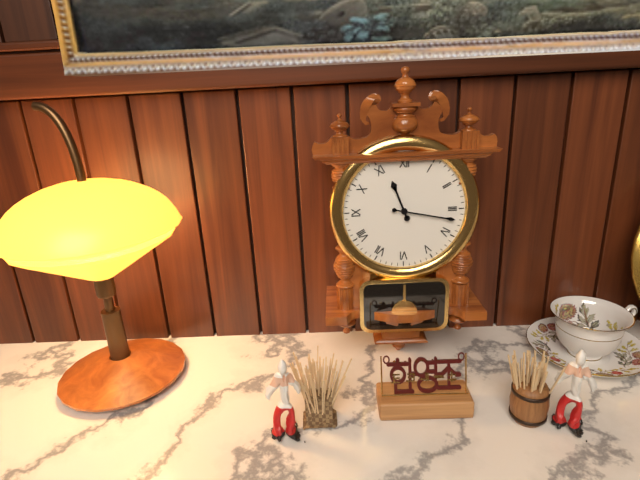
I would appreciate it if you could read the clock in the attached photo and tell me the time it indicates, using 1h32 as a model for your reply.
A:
11h17
